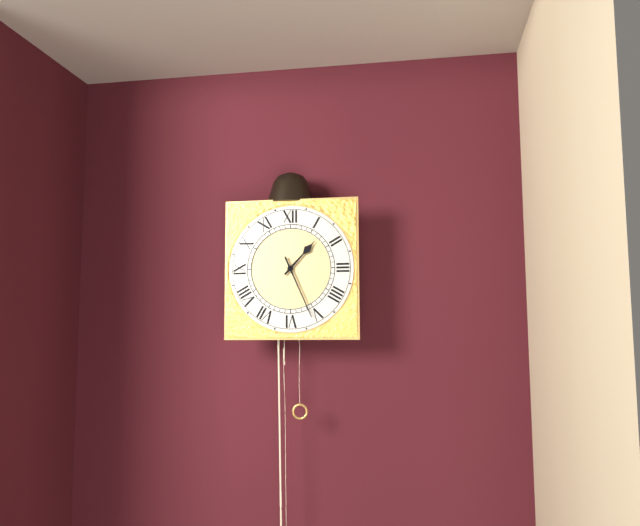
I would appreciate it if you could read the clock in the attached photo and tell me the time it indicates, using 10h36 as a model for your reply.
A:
1h26
